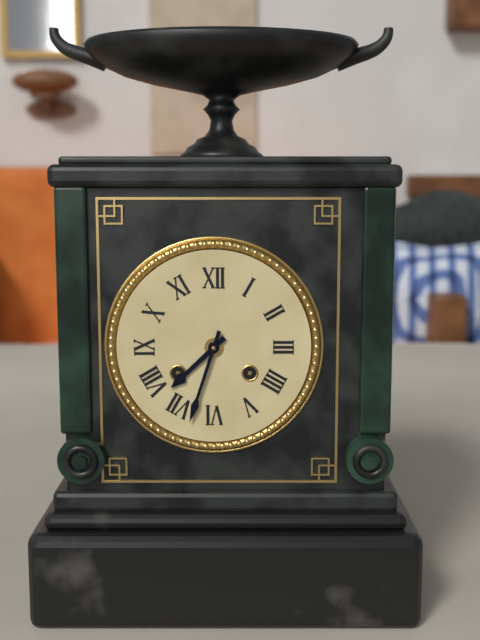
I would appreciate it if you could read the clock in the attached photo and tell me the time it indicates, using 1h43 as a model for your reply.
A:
7h33
